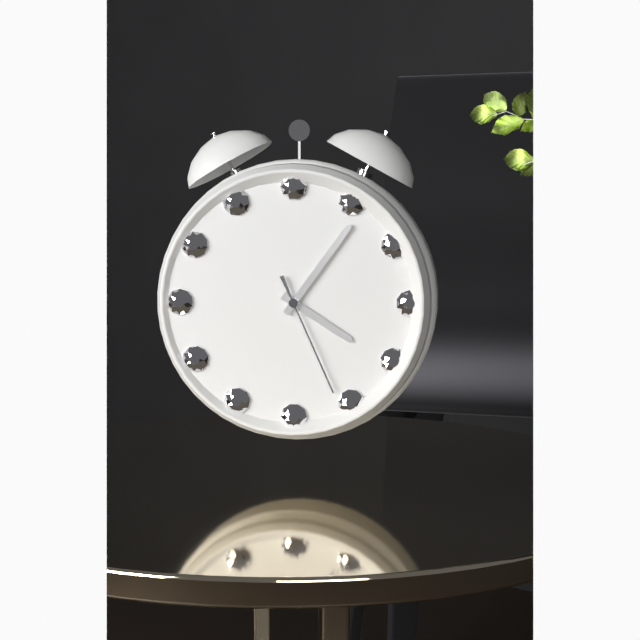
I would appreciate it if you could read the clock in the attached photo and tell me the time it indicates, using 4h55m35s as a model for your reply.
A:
4h06m26s
